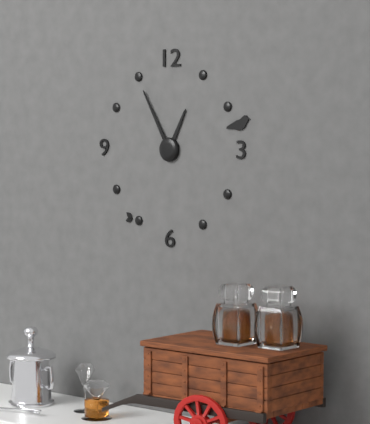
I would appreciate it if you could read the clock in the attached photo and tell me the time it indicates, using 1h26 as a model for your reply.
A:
12h55
